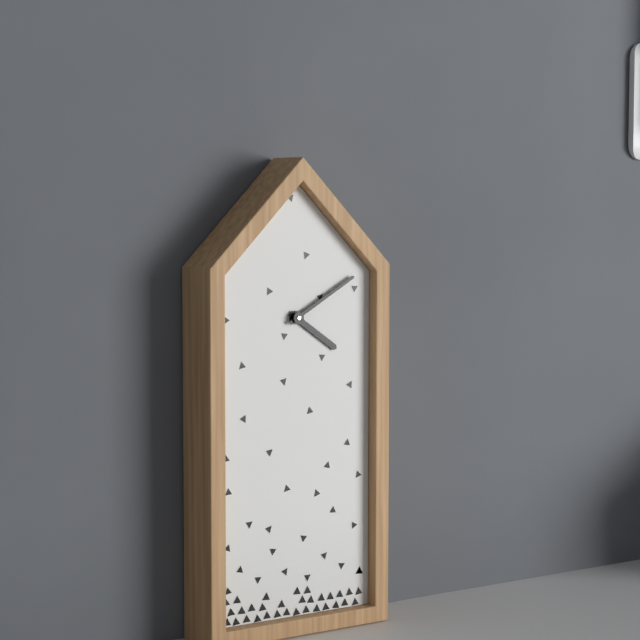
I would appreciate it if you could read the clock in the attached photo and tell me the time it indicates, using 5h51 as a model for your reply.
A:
4h10
